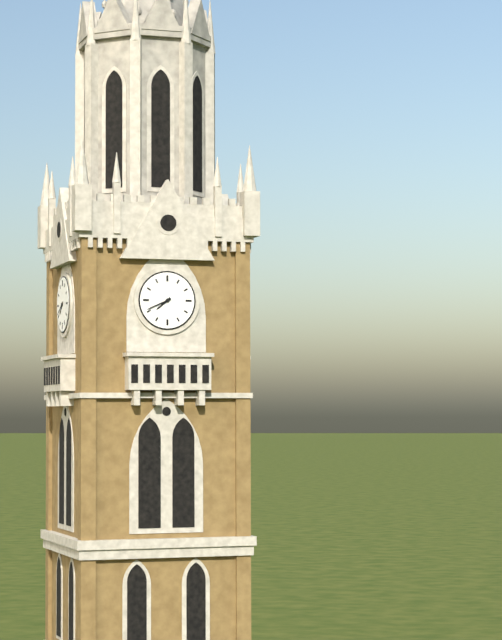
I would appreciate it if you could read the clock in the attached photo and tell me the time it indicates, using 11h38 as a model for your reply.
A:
7h41
